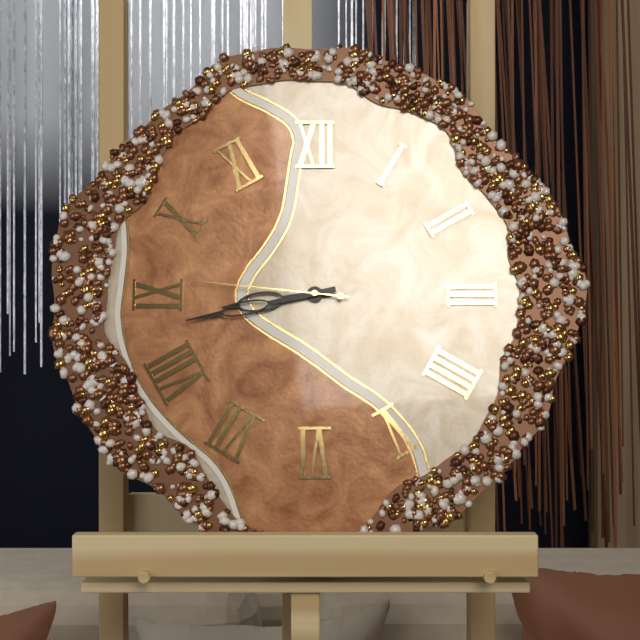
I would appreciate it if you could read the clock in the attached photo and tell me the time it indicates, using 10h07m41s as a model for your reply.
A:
8h43m46s
